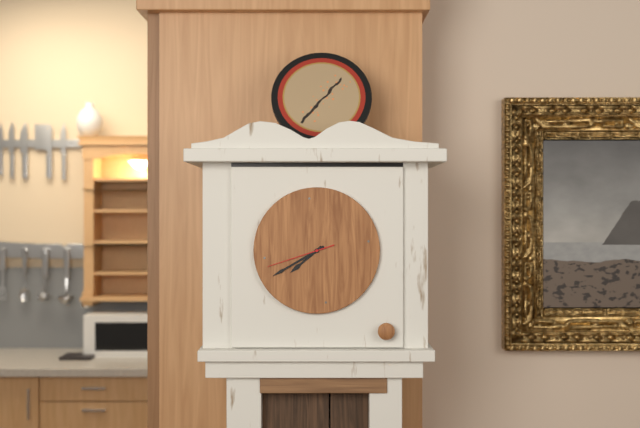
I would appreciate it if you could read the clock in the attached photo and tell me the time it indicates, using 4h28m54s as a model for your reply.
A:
7h40m42s
